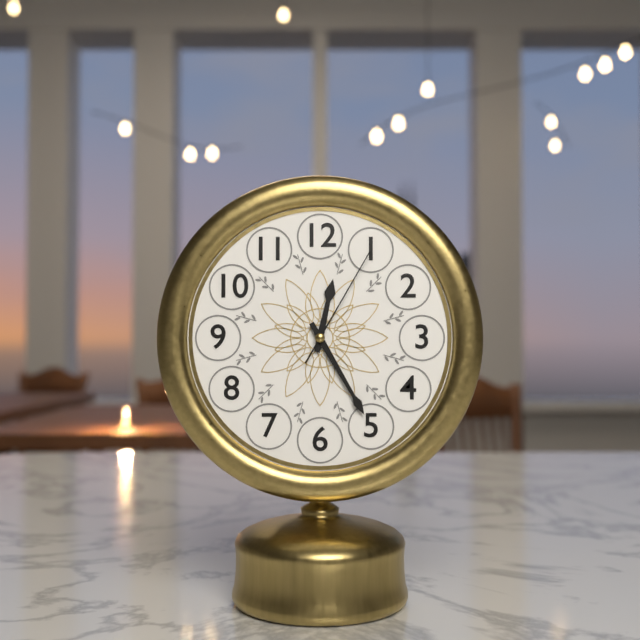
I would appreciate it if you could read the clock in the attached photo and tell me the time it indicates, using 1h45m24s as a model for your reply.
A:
12h25m05s
